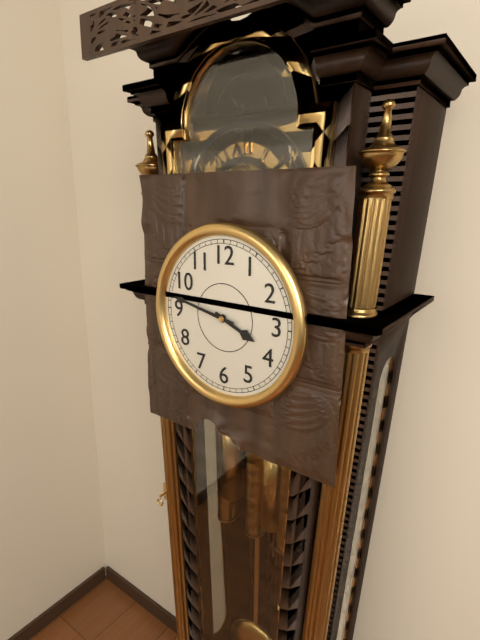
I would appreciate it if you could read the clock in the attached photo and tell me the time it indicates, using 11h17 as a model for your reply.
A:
3h47
